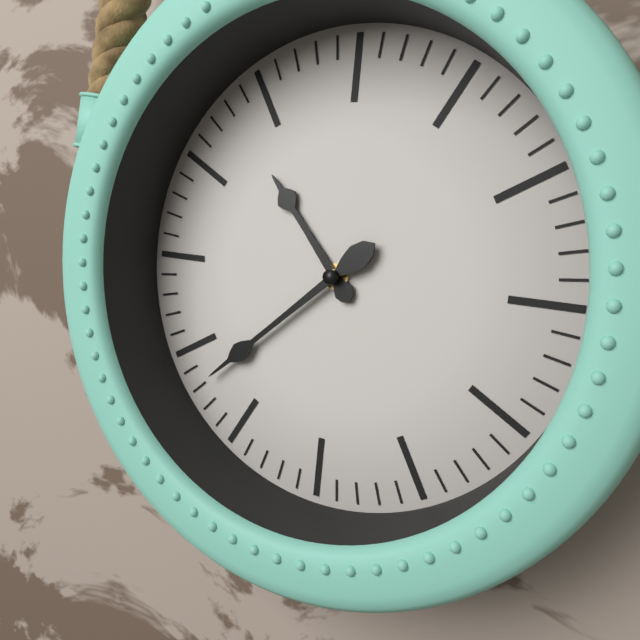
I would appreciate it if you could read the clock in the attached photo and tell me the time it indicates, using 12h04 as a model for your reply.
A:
10h38
